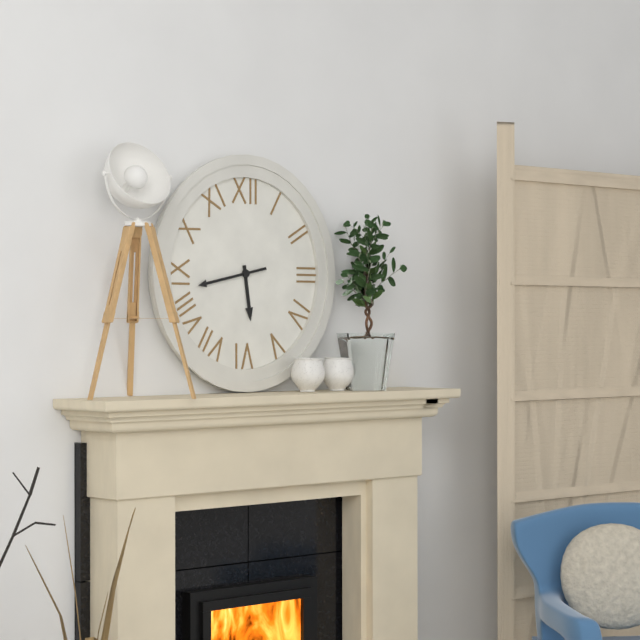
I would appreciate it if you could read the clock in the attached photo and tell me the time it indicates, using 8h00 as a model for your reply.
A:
5h43
